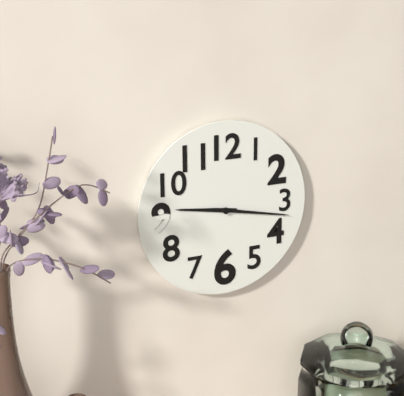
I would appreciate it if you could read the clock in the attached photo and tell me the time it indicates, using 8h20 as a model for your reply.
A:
9h17
